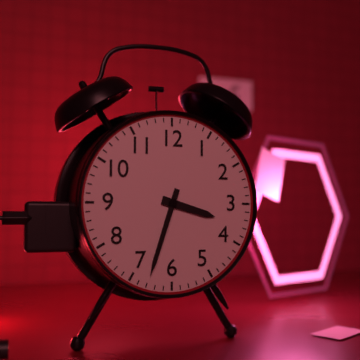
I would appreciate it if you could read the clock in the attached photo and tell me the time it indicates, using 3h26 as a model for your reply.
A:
3h33
